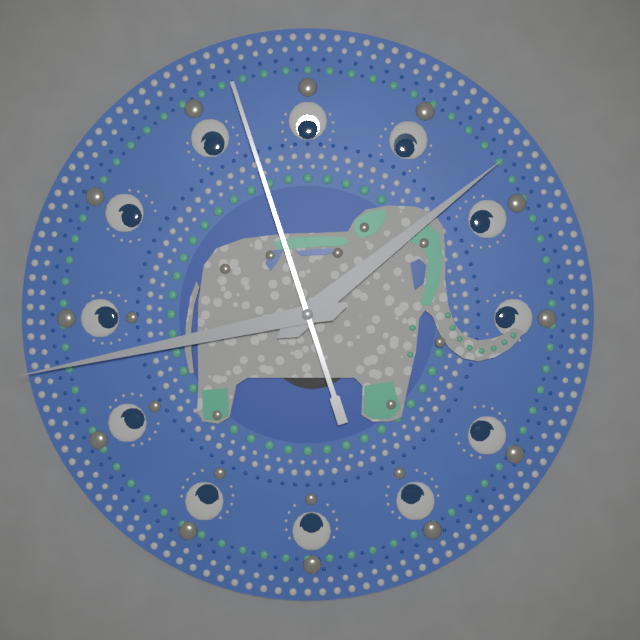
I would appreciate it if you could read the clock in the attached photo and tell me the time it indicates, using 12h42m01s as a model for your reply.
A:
1h43m57s
